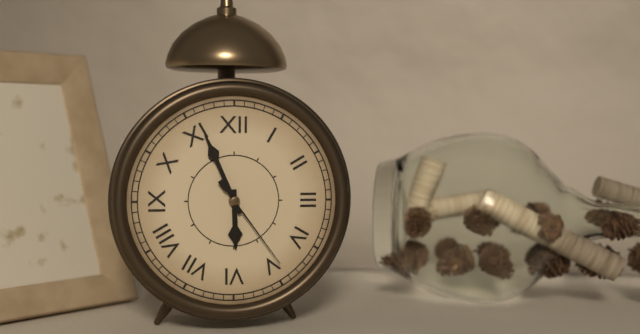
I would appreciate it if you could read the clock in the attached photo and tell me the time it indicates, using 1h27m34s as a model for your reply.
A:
5h56m24s
